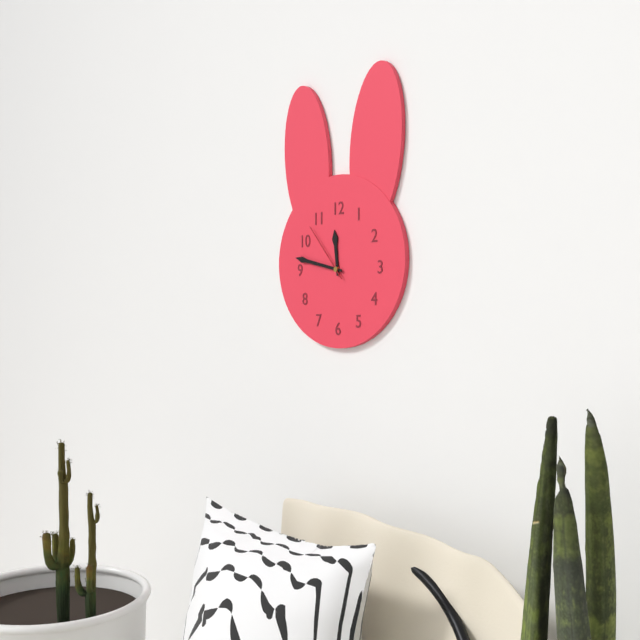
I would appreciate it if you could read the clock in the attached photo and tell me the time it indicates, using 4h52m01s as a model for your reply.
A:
11h47m53s
